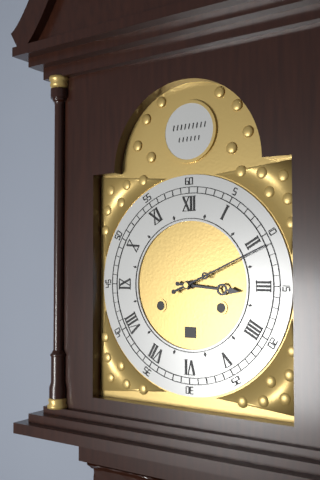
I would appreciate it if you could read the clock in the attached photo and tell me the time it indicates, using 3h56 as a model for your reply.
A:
3h11
